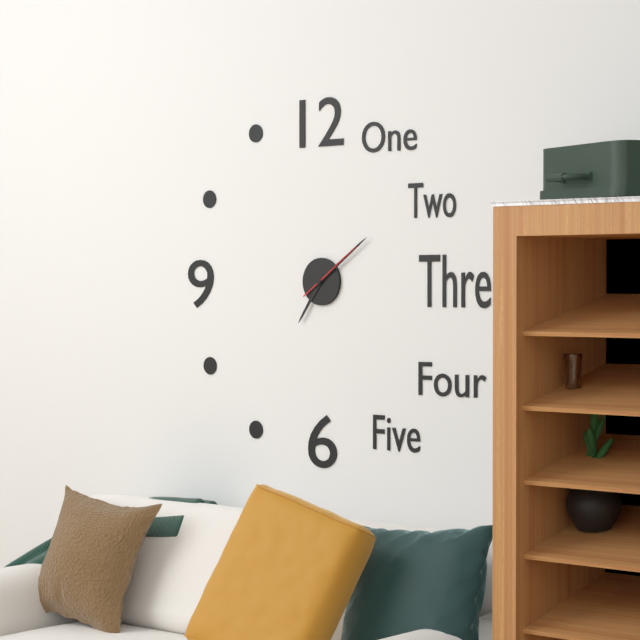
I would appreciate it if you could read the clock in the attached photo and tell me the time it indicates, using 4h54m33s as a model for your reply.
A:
7h09m09s
